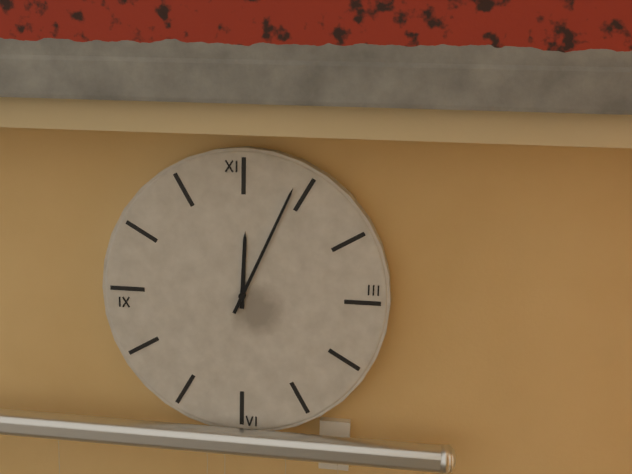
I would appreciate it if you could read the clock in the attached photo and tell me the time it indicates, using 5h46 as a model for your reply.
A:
12h04
